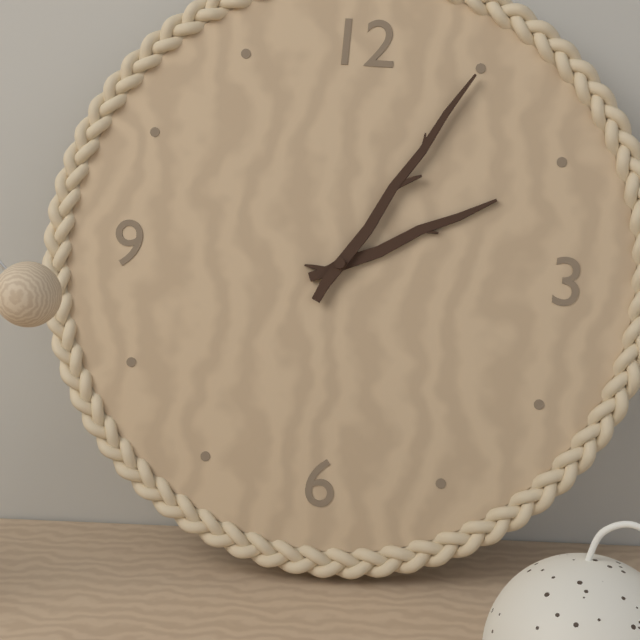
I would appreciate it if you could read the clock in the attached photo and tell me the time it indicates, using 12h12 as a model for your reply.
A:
2h05
